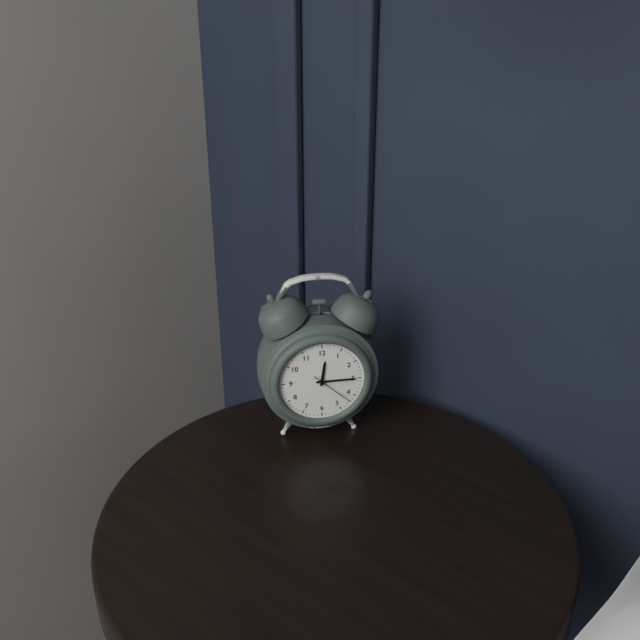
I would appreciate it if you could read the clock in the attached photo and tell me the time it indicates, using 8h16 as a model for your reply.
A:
12h15
